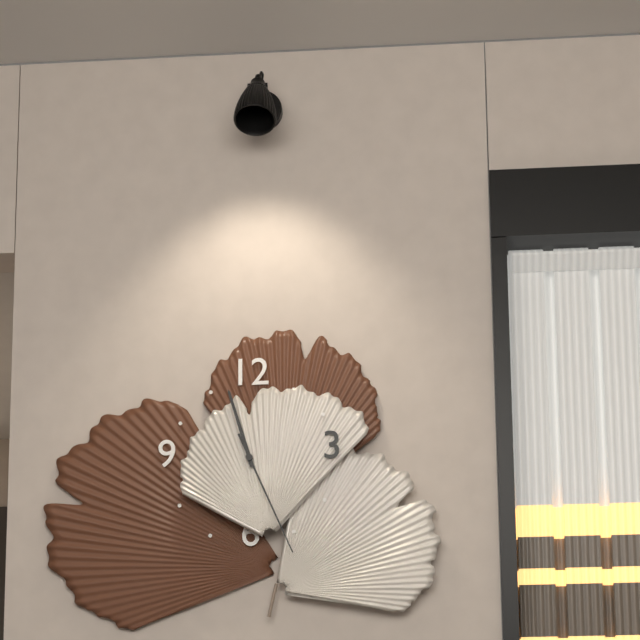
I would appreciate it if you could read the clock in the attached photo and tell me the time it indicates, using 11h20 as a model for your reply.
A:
11h26
